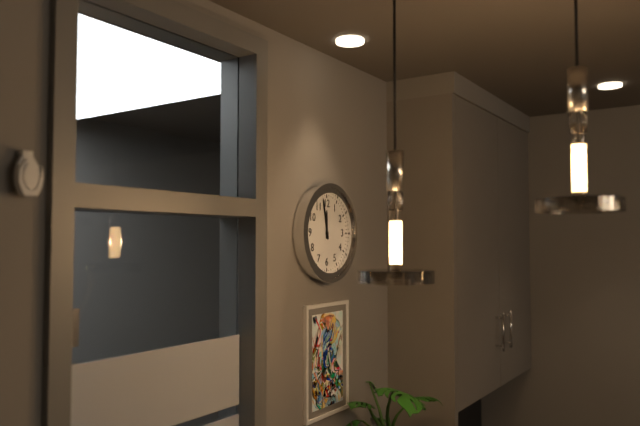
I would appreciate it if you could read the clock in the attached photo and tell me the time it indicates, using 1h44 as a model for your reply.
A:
11h58
